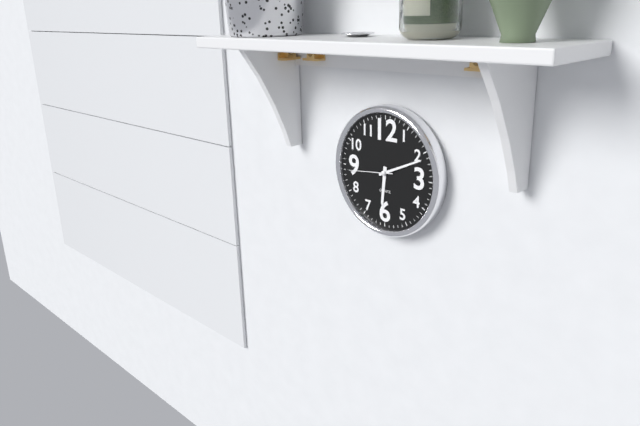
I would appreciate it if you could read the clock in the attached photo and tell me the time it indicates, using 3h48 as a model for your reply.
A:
6h11
